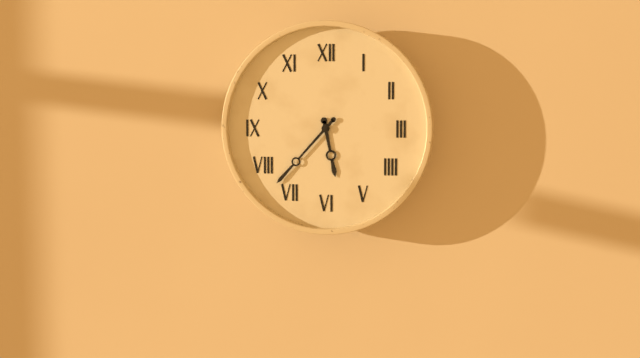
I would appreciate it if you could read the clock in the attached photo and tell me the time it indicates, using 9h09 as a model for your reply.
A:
5h37
